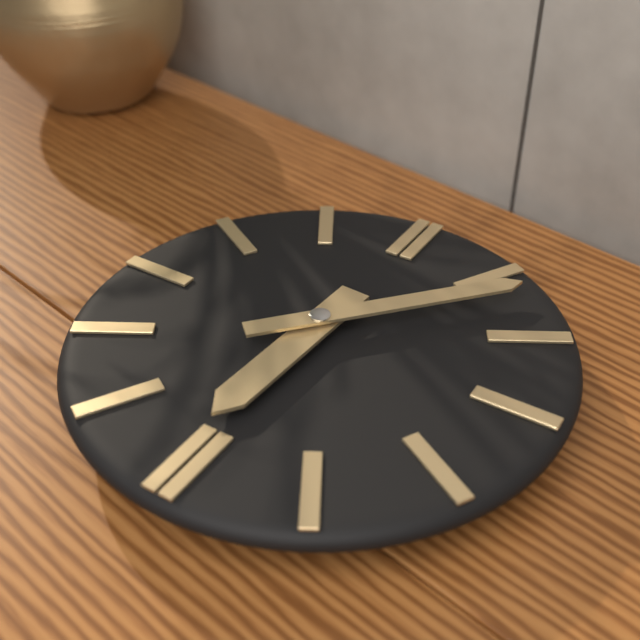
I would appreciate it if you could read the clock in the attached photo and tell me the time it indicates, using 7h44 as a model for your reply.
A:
6h07
